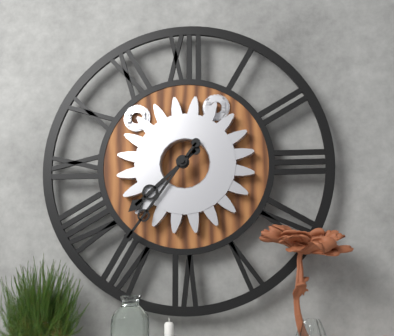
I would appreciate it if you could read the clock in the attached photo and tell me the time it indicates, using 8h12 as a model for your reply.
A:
7h36
